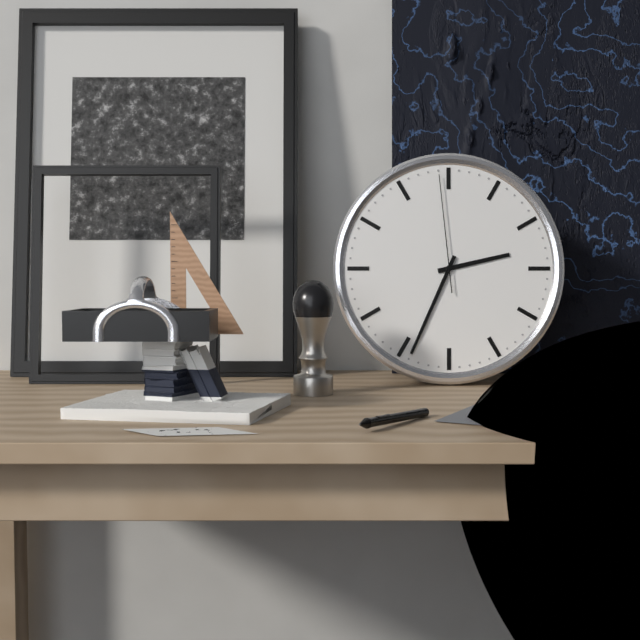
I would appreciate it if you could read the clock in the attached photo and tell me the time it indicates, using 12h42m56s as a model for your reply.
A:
2h34m59s
